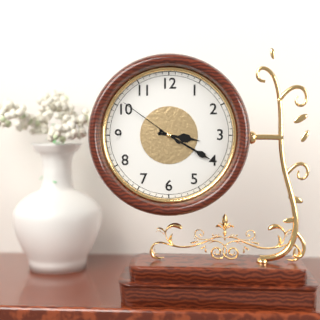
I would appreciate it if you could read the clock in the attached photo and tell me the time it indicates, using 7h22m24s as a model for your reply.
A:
3h20m51s
